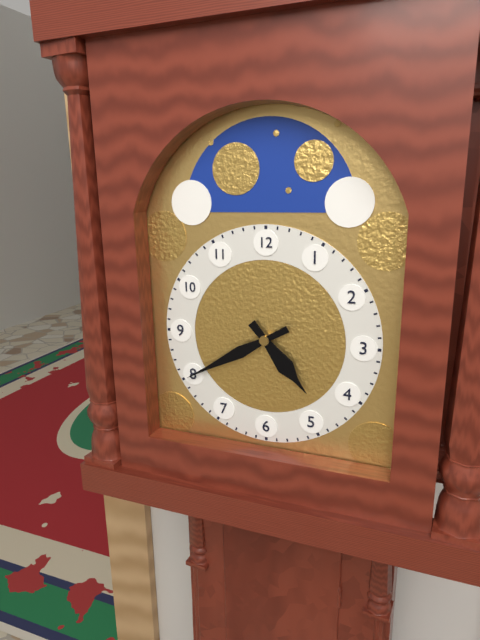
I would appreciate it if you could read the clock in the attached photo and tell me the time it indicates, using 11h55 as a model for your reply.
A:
4h40
